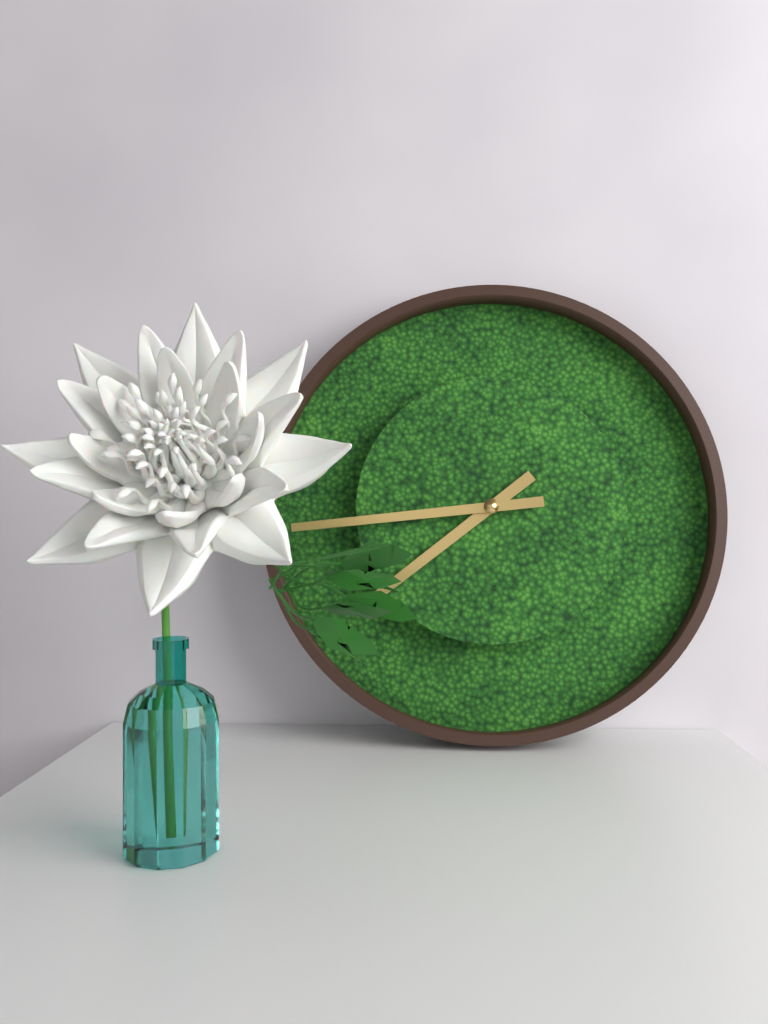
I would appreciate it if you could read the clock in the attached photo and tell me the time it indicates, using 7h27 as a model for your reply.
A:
7h44
